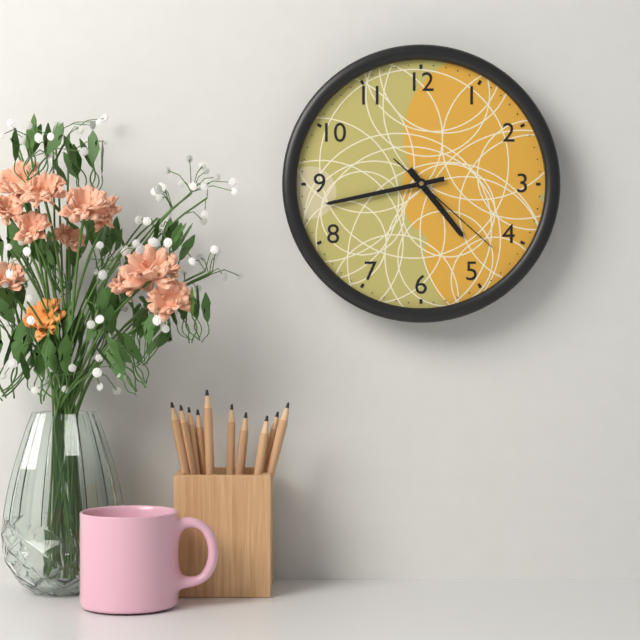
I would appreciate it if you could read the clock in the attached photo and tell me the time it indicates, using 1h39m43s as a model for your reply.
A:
4h43m22s
